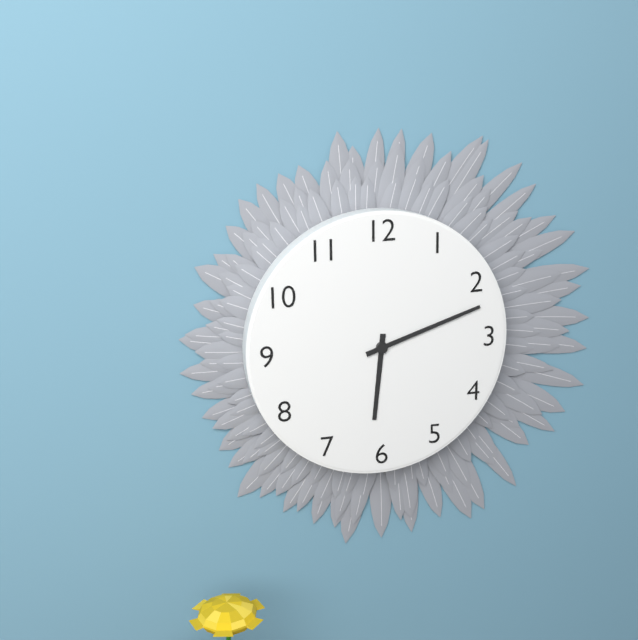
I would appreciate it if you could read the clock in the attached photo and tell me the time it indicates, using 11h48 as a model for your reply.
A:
6h12
